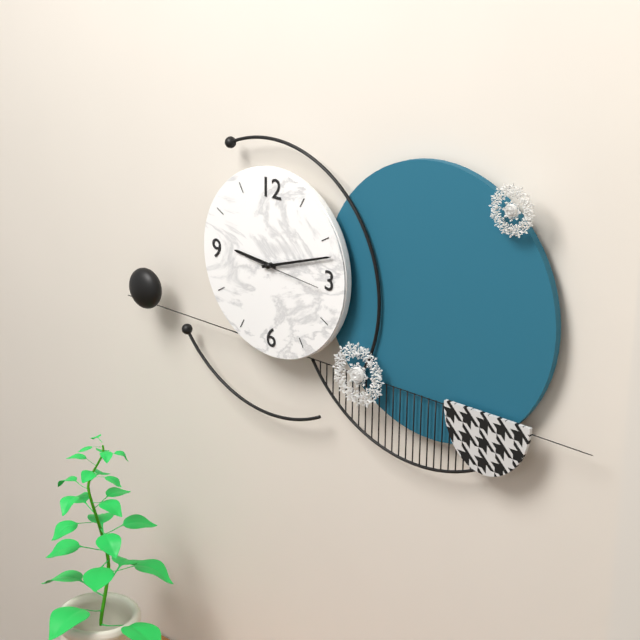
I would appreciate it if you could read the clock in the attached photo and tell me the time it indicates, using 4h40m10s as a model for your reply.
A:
9h12m16s
